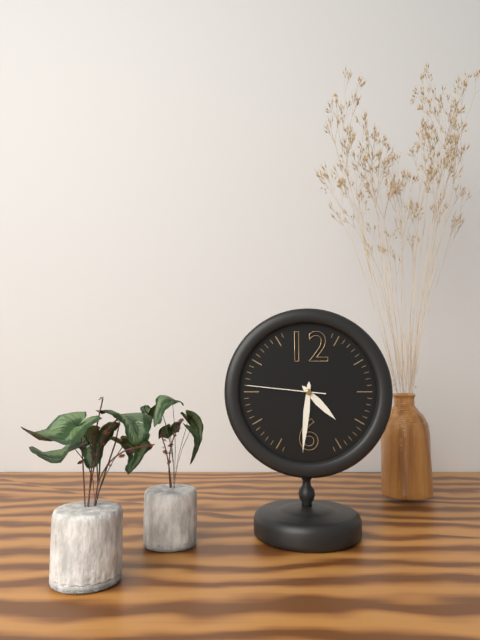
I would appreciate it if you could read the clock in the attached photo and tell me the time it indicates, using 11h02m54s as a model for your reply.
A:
4h31m46s
